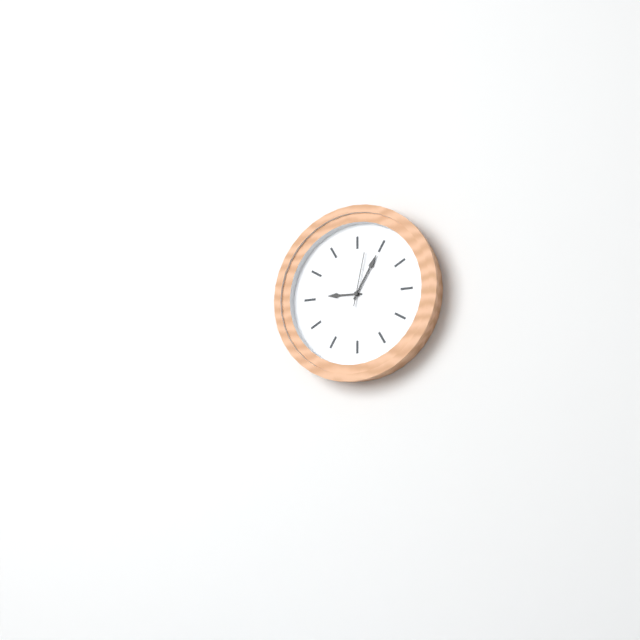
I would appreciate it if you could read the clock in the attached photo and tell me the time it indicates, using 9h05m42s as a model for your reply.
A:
9h05m02s
